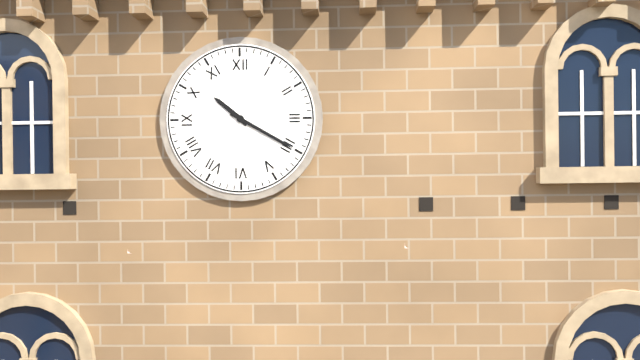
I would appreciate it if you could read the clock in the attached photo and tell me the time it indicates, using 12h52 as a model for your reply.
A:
10h20
